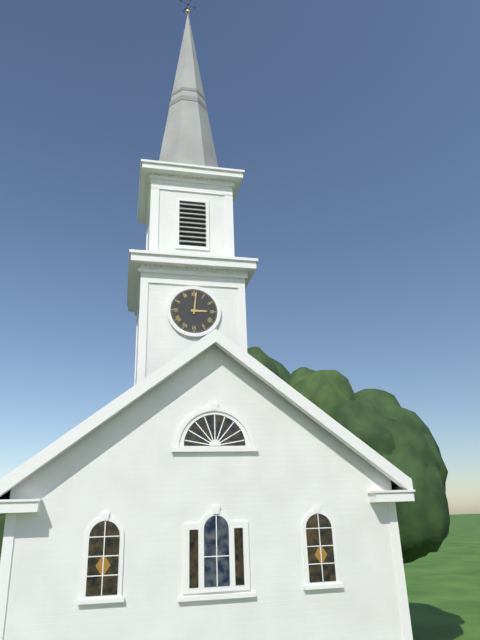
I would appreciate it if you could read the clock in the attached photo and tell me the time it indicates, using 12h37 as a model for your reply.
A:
3h01
